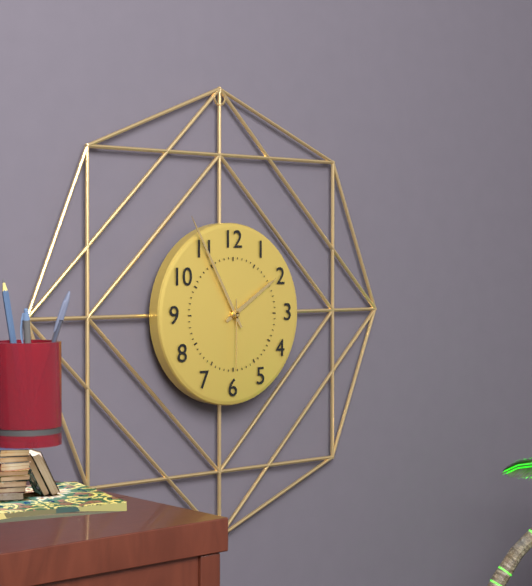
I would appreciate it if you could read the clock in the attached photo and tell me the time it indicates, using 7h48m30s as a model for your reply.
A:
1h55m30s
